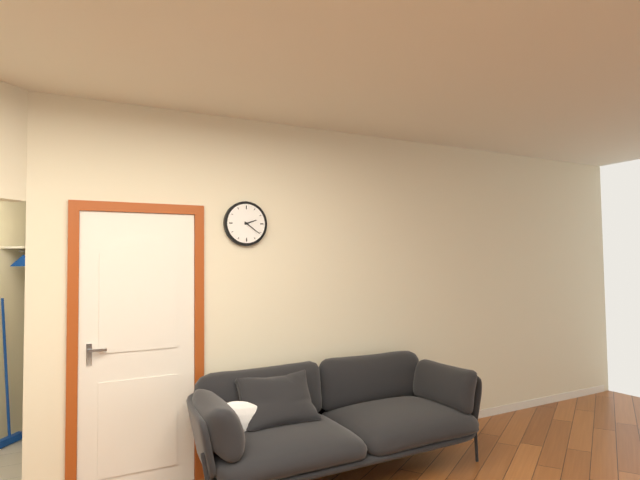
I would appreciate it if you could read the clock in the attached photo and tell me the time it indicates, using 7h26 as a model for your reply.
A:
2h21
